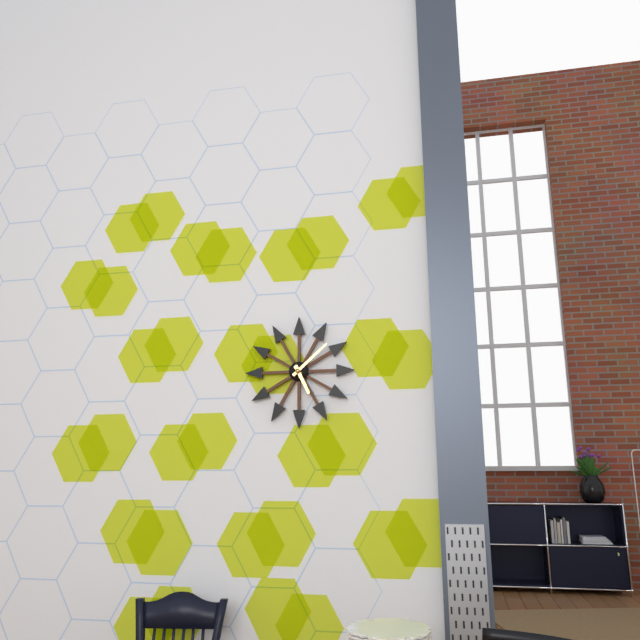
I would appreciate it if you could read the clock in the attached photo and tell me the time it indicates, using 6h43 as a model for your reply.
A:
5h08
